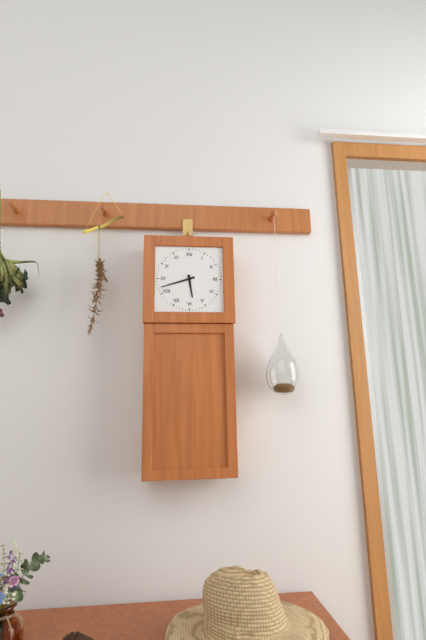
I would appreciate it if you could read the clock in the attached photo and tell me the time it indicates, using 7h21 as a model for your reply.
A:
5h42
